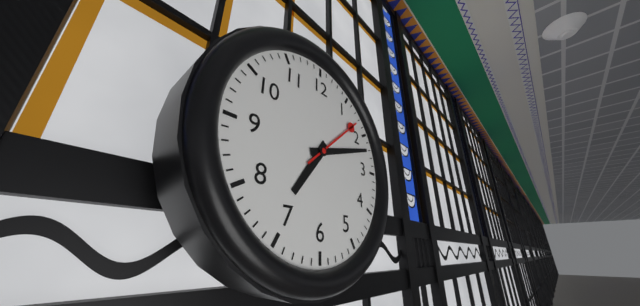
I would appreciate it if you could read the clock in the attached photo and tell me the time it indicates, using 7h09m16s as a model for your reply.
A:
7h12m08s
